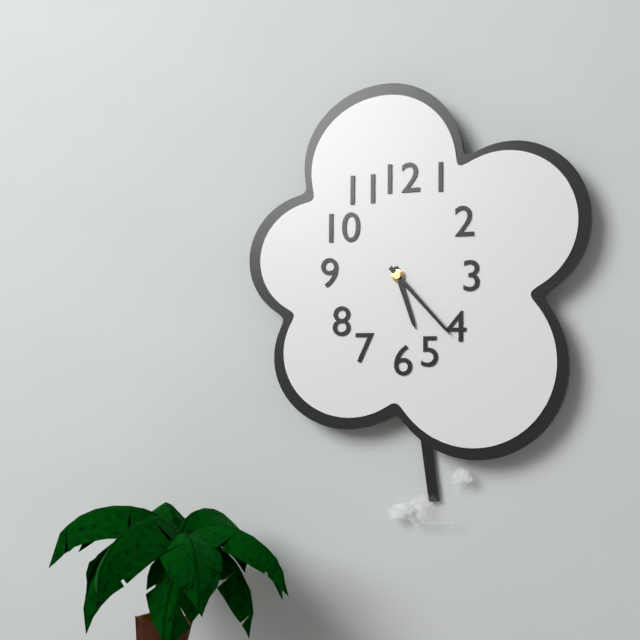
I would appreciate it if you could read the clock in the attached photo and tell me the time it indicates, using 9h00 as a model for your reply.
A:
5h23
